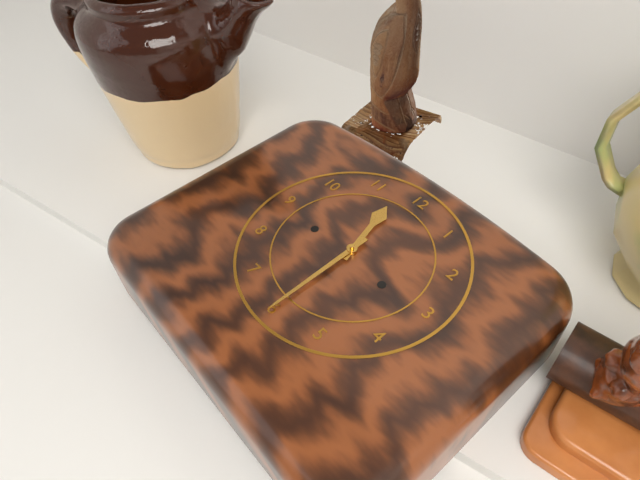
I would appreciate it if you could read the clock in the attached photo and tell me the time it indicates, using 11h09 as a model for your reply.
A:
11h30
